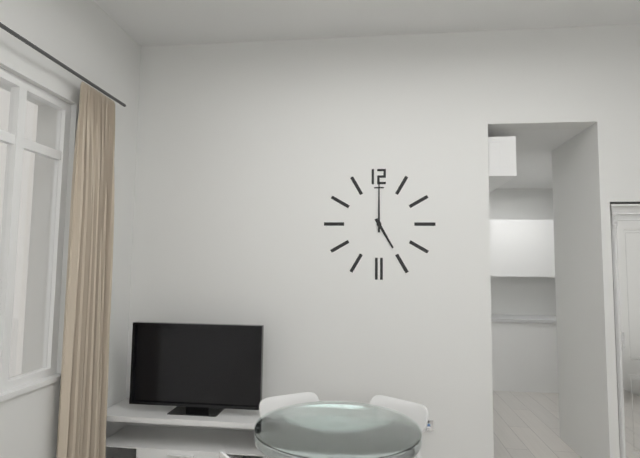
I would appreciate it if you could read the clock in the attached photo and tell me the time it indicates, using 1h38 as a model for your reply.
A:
5h00
